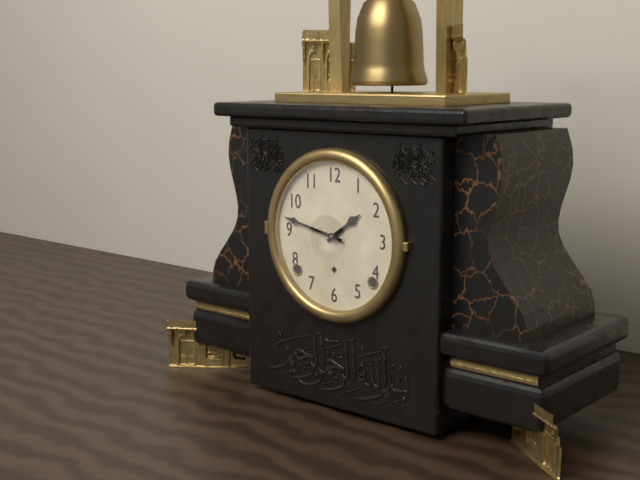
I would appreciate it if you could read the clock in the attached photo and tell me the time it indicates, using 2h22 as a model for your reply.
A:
1h47
